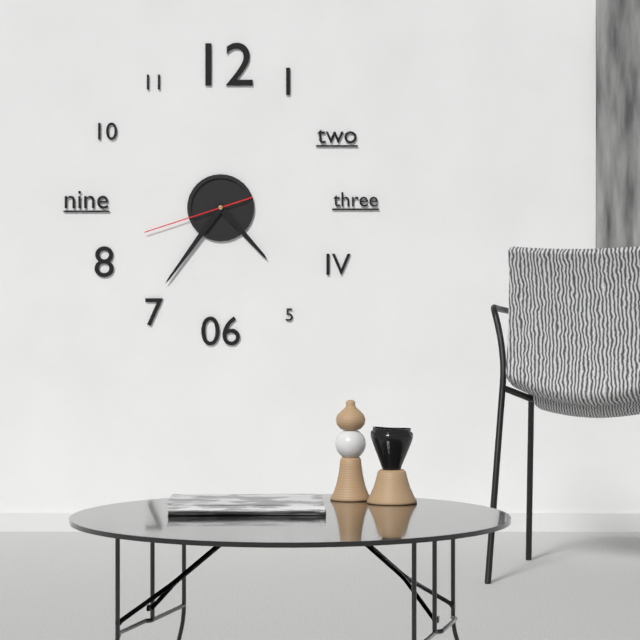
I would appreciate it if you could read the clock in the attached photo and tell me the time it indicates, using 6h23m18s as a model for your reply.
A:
4h36m42s
